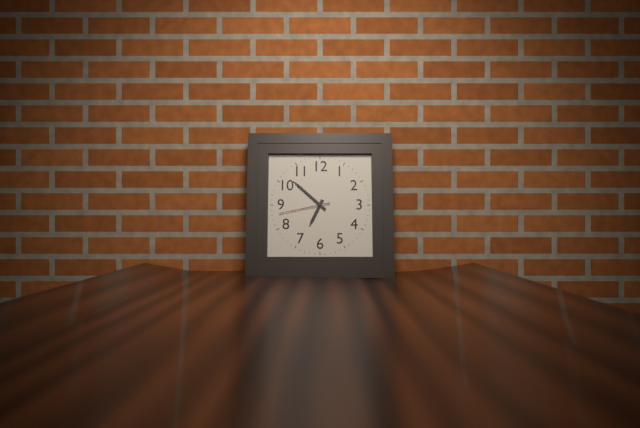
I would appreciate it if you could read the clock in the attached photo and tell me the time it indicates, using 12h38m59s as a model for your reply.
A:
6h52m43s
